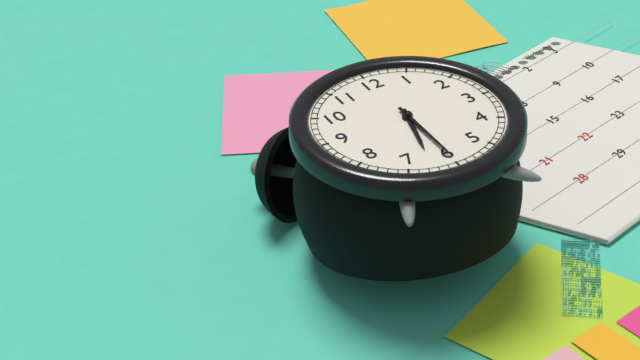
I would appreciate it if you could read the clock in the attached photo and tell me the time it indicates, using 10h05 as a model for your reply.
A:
6h30
